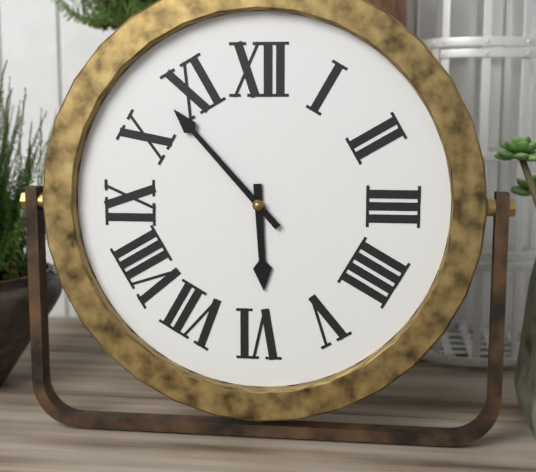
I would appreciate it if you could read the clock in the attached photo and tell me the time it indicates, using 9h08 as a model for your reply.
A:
5h53
